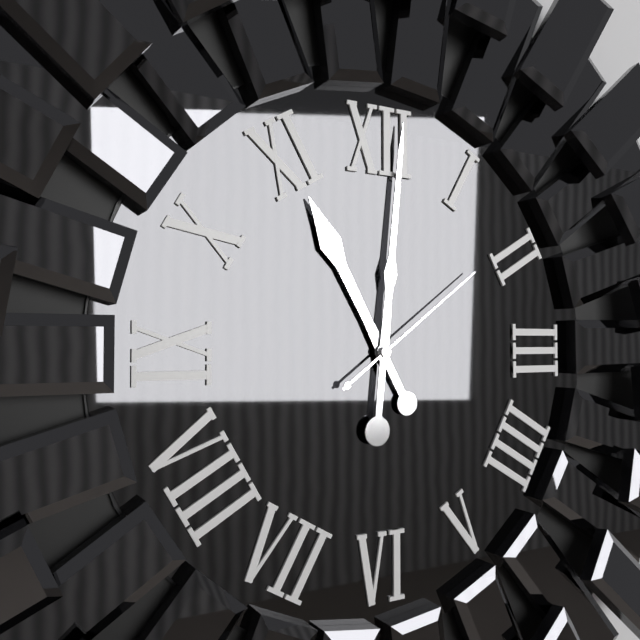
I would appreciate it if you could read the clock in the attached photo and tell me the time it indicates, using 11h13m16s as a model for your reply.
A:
11h01m09s
